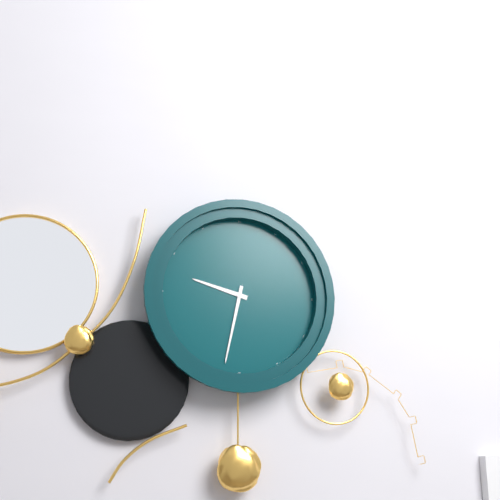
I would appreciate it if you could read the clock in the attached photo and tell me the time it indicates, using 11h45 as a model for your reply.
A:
9h32
